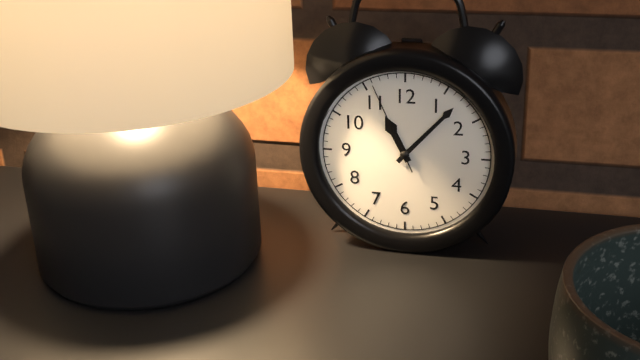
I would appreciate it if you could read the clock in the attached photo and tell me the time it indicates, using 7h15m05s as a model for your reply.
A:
11h07m56s
